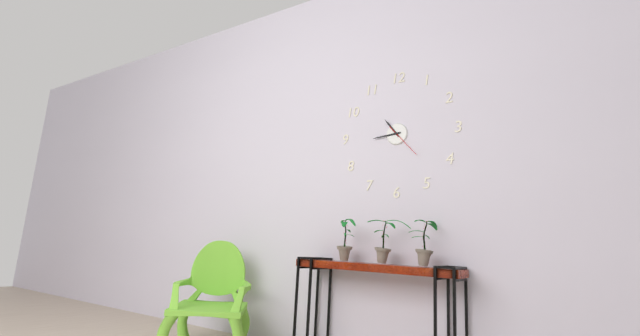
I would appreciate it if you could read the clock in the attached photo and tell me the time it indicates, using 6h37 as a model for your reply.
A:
10h44
